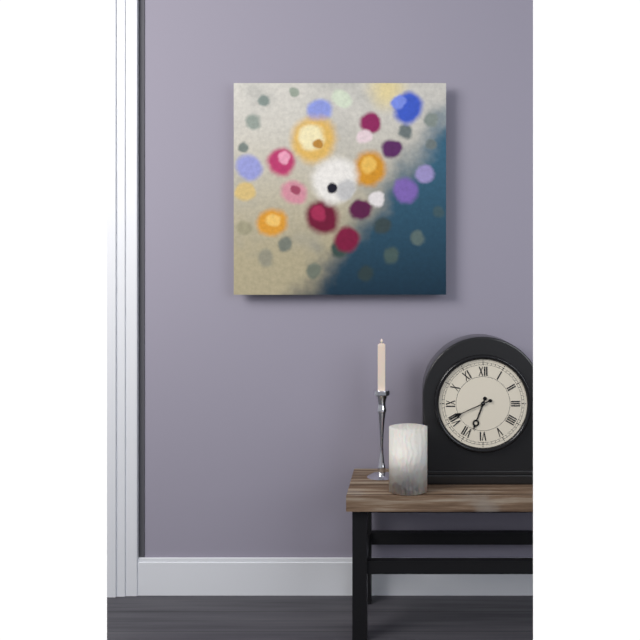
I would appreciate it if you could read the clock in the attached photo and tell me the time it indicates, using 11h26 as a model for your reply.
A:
6h41
